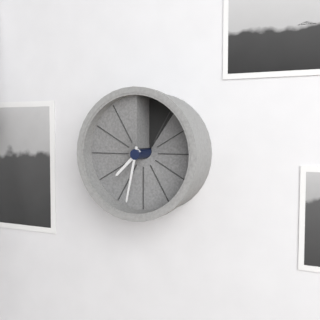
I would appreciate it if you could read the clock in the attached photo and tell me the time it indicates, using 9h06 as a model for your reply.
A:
7h32
